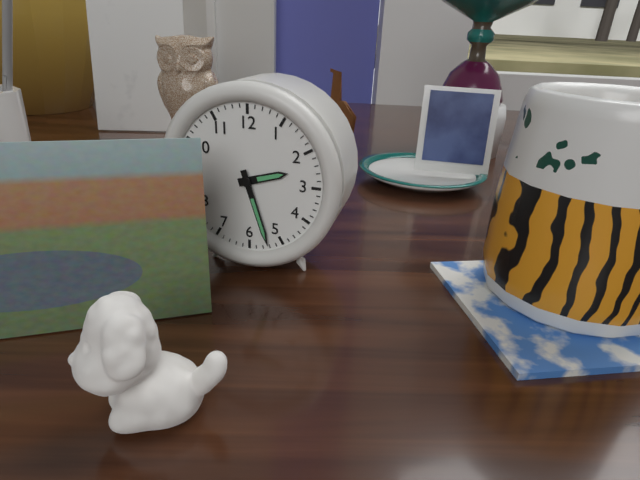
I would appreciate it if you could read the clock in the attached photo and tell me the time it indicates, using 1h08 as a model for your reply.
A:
2h27
